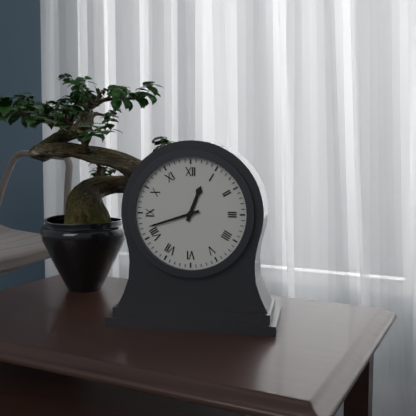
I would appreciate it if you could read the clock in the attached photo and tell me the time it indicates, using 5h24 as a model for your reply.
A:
12h42
